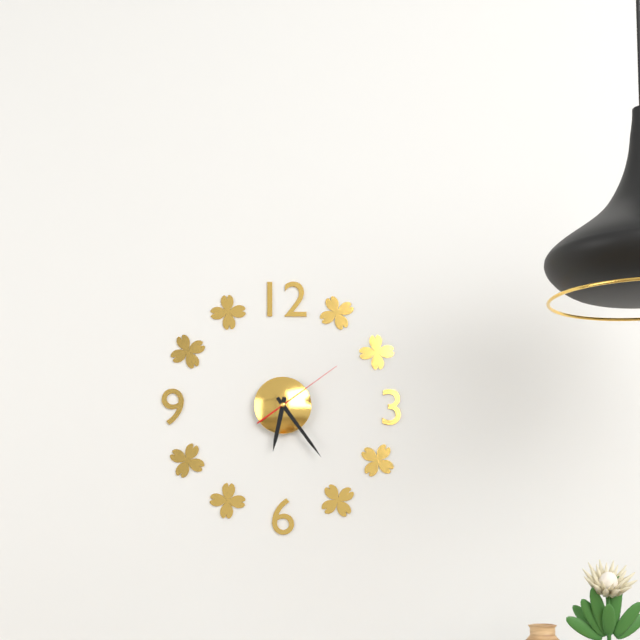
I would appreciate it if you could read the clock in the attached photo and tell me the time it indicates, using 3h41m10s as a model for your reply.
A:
6h24m09s
